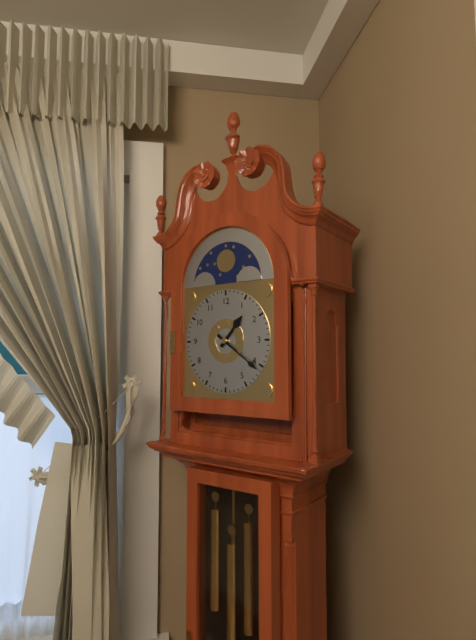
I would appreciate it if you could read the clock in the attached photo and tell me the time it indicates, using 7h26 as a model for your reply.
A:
1h21
